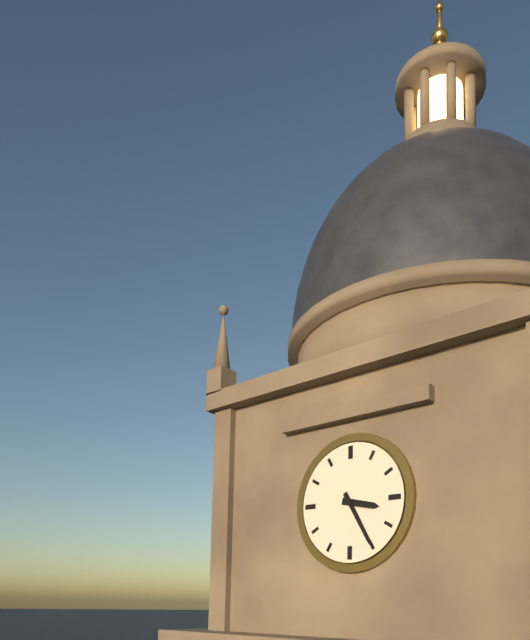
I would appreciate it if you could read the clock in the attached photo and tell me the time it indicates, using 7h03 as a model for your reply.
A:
3h25
